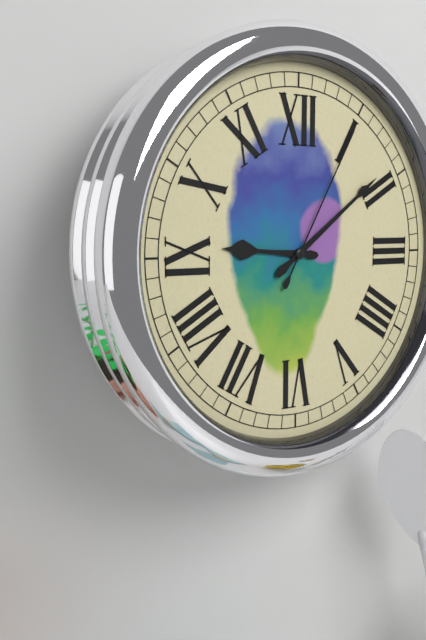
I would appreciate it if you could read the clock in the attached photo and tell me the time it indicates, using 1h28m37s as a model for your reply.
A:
9h09m05s
